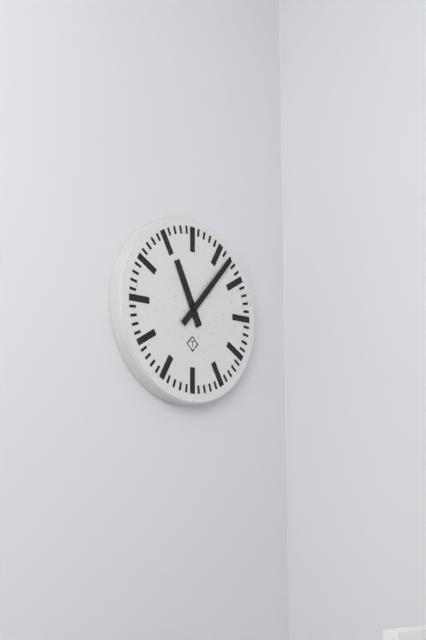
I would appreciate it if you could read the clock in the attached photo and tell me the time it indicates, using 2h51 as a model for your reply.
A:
11h07
